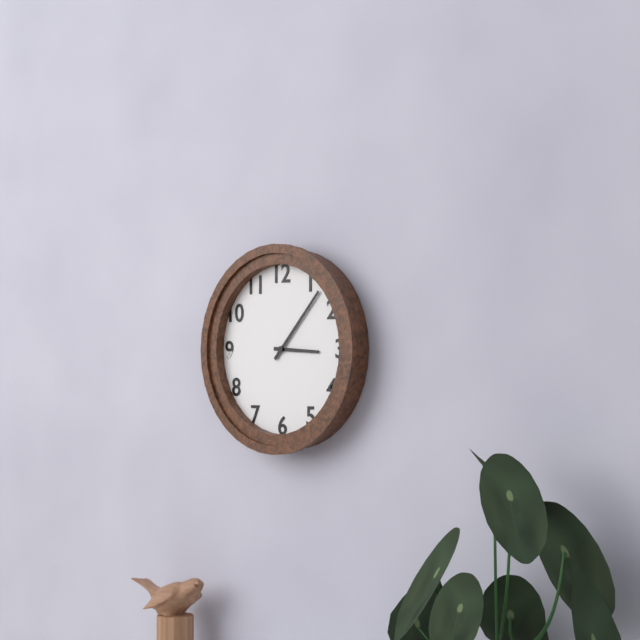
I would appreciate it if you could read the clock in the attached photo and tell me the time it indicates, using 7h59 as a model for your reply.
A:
3h07
